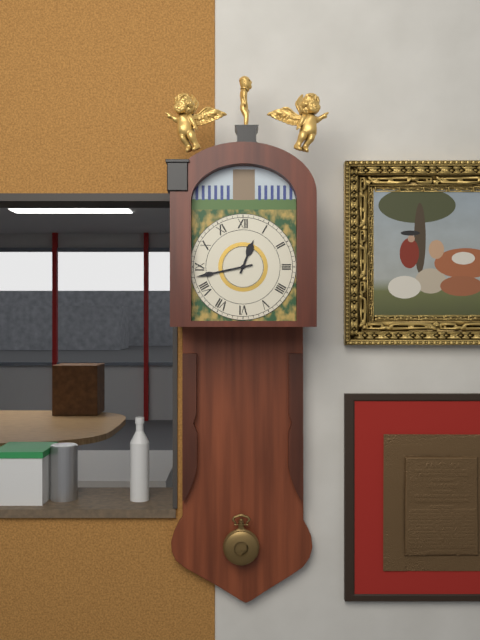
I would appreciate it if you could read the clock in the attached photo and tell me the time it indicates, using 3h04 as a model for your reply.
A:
12h43
